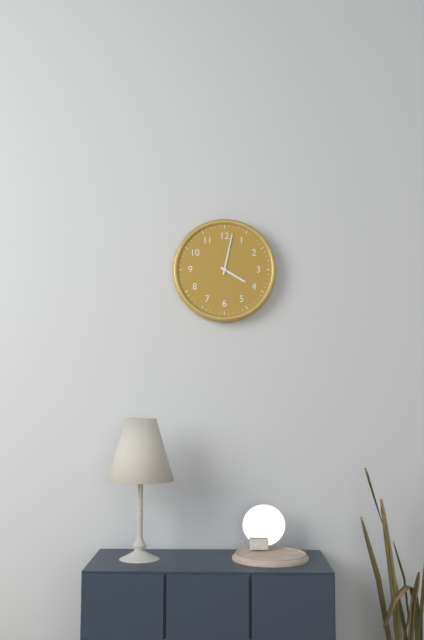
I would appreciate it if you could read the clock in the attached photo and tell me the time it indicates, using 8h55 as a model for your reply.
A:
4h02
